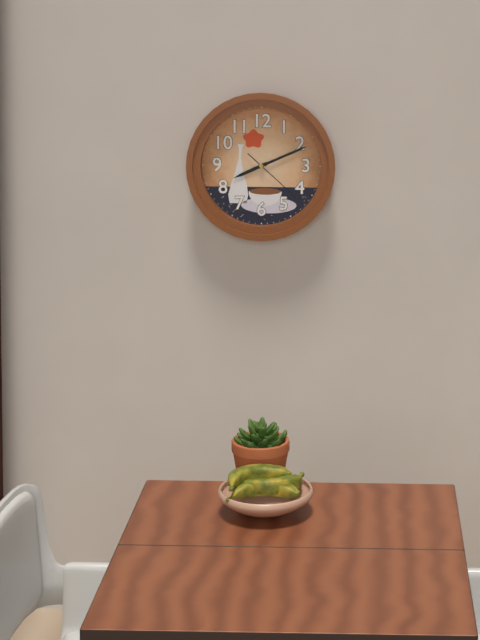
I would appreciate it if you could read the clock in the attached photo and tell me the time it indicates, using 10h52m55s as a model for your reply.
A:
8h11m22s
